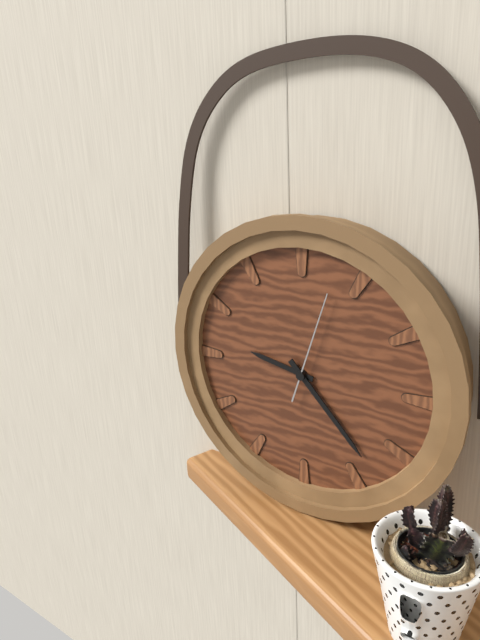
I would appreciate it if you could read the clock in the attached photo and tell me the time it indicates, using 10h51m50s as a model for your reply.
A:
9h23m03s
